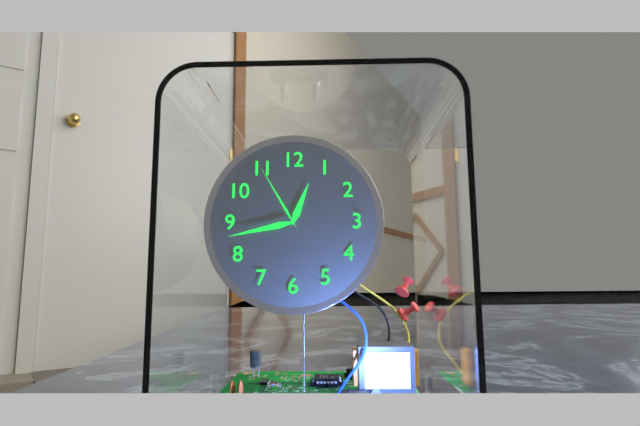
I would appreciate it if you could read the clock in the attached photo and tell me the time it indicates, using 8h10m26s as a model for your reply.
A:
12h43m55s
